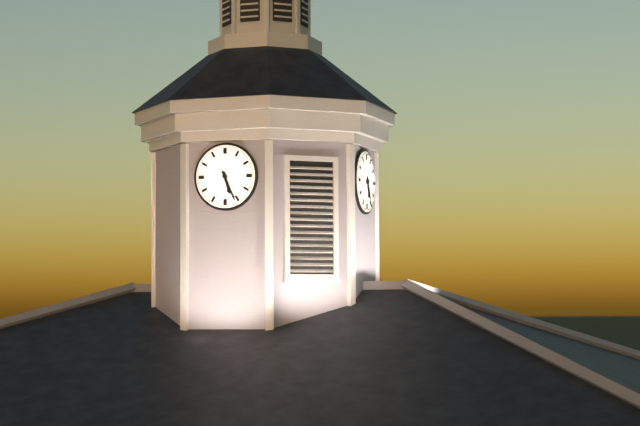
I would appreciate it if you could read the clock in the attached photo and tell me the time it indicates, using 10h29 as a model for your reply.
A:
5h26
